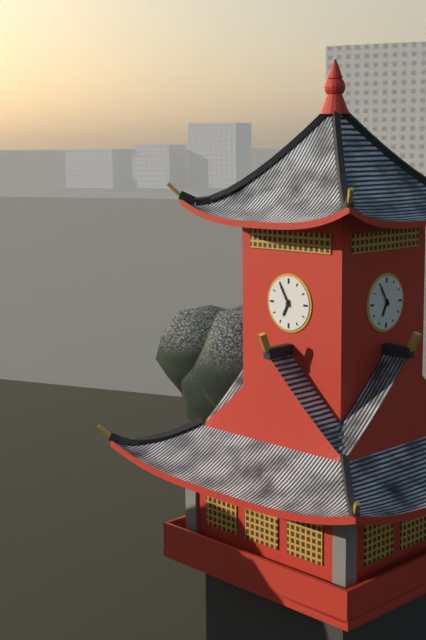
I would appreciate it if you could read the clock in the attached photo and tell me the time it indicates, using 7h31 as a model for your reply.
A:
6h55
